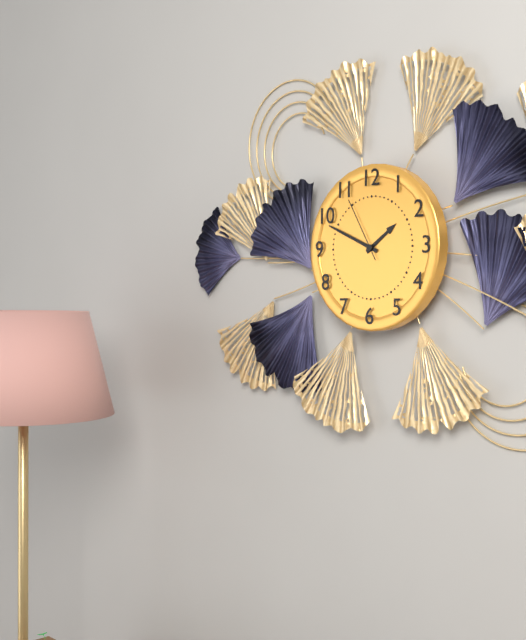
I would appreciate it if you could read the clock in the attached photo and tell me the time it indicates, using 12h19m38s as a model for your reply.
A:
1h49m55s
